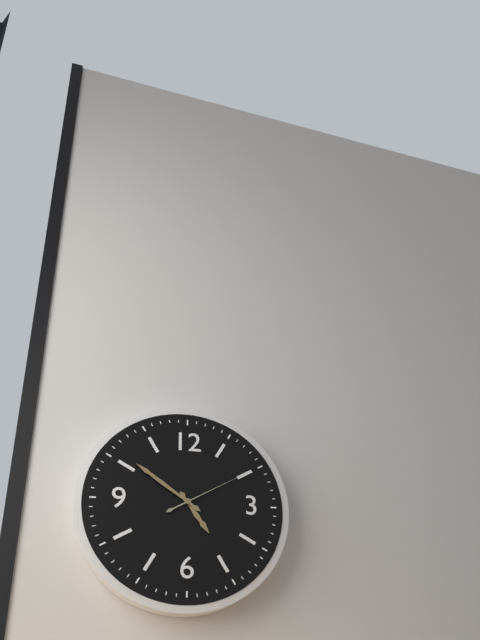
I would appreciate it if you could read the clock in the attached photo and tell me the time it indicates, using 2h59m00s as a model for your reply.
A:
4h51m10s
